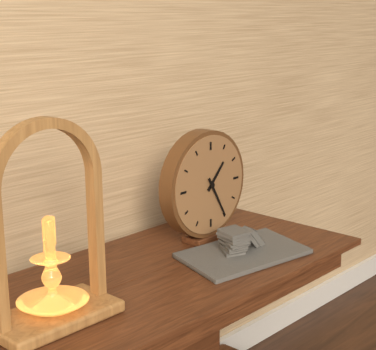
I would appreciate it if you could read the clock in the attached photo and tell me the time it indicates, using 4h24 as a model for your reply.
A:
1h25
